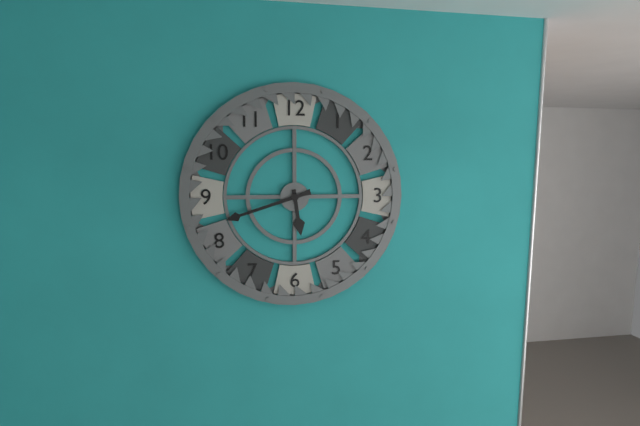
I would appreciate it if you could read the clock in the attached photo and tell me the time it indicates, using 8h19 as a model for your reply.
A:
5h42
